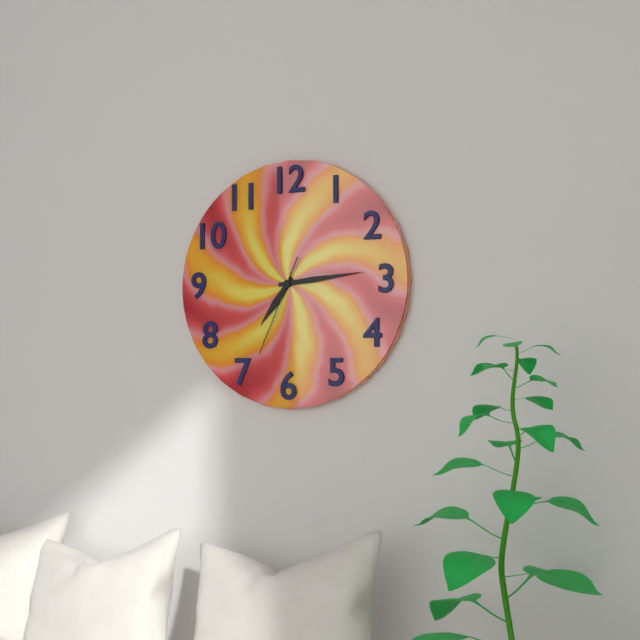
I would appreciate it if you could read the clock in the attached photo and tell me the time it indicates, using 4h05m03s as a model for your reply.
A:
7h14m34s
